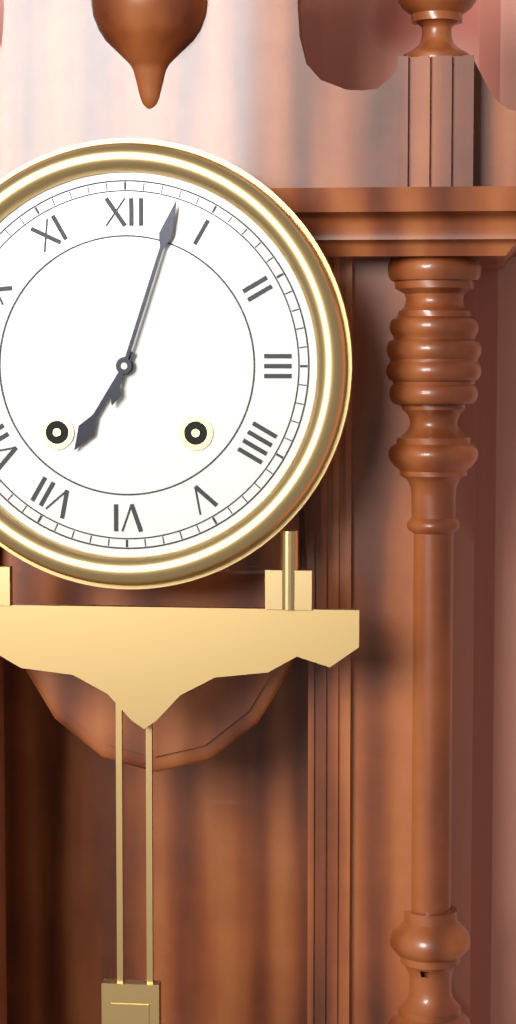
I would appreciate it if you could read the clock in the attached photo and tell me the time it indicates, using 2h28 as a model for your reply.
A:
7h03
